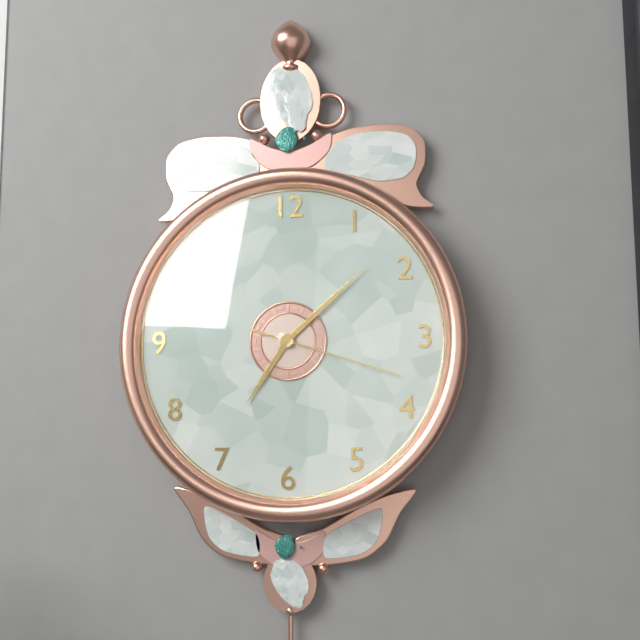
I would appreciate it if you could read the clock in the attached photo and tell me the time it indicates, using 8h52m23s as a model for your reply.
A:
7h08m18s
